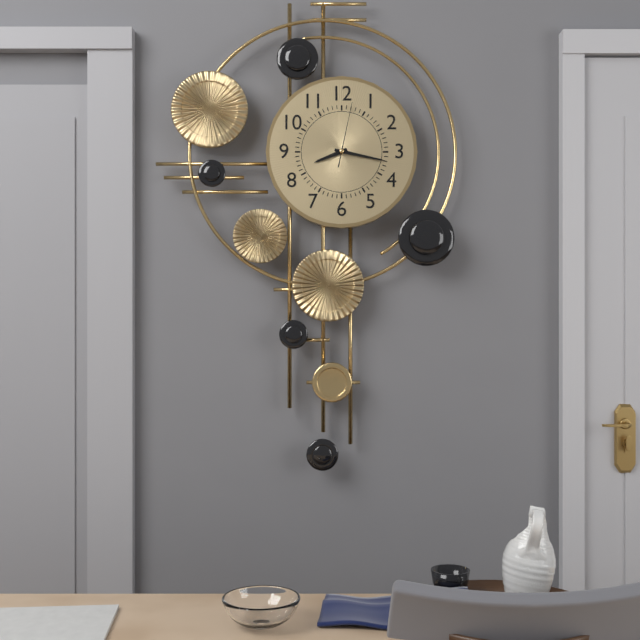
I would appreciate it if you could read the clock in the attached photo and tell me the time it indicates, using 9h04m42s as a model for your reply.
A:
8h17m02s
